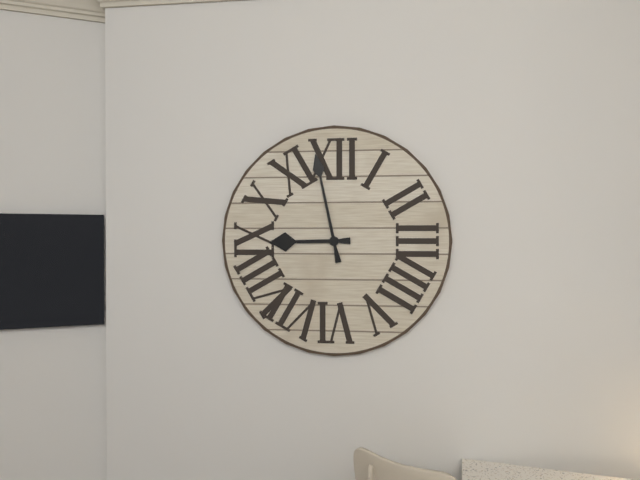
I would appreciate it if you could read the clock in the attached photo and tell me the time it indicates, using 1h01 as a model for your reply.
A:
8h58
